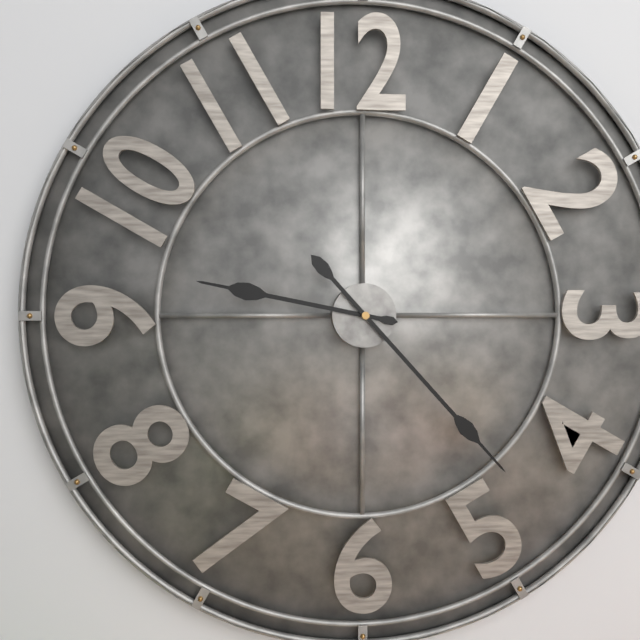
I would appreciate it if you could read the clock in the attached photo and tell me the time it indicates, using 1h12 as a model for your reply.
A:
9h23
